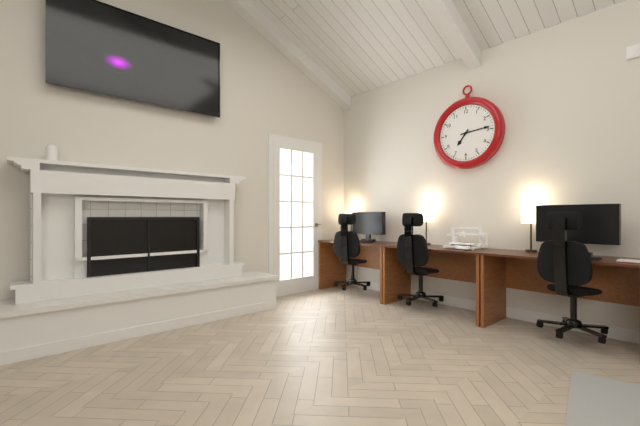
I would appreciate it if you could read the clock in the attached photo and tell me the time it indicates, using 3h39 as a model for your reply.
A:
7h14
